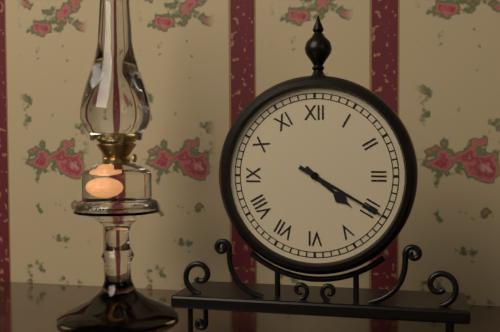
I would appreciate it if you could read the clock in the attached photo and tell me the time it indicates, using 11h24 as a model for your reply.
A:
4h20
